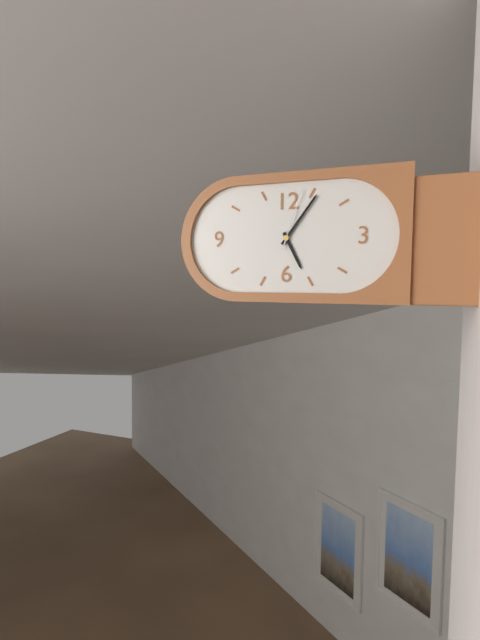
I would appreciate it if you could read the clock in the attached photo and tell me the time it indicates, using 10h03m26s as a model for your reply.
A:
5h06m03s
